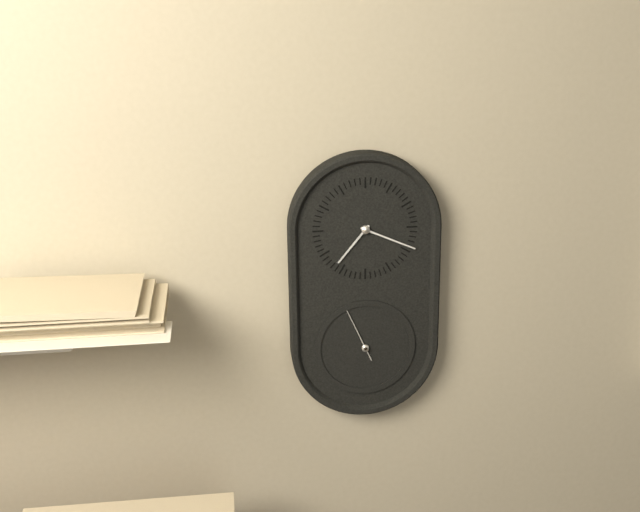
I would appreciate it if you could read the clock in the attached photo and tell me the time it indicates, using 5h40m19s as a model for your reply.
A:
7h19m56s
